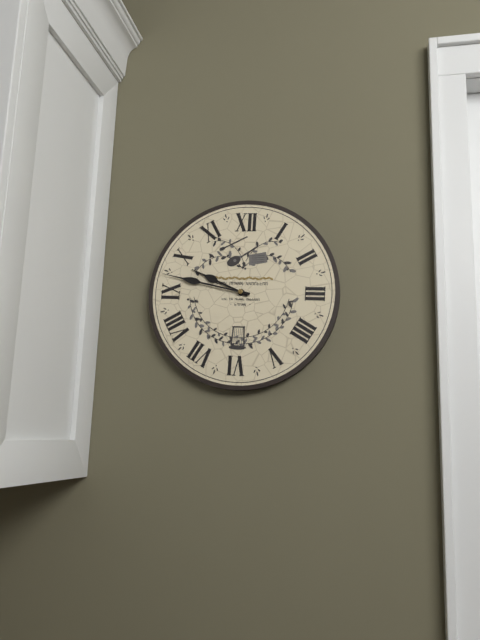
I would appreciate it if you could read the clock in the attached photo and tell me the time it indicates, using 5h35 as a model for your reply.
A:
9h47
